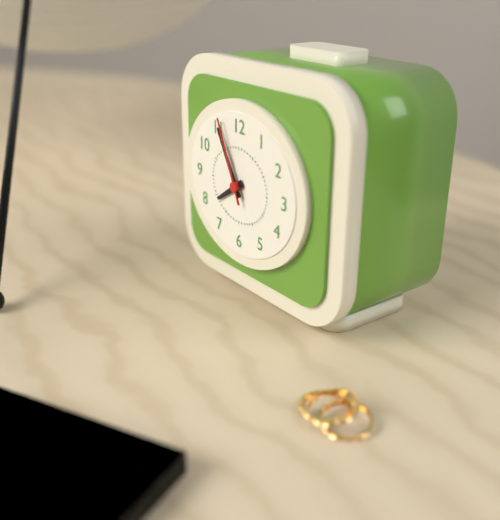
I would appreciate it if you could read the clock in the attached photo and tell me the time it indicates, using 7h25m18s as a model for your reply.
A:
7h55m56s
